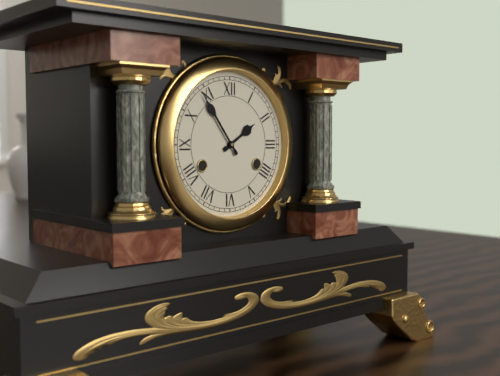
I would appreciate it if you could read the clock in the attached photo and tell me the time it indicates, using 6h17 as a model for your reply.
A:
1h54
